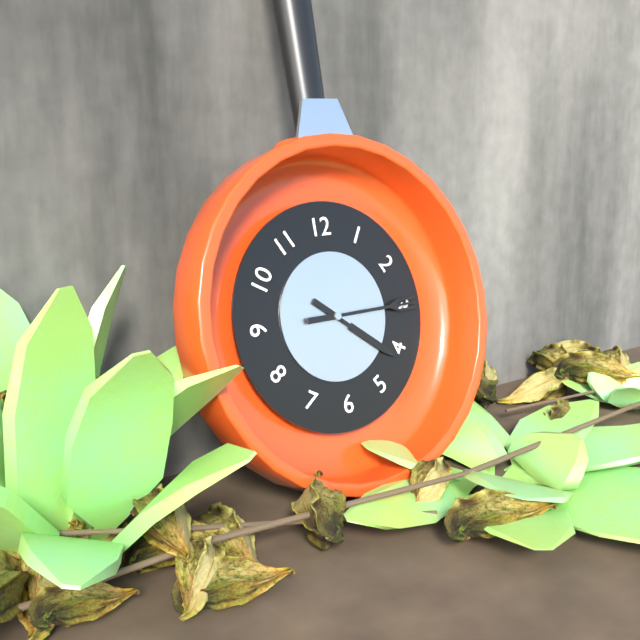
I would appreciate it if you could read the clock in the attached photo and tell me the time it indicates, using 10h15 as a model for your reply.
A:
4h15
